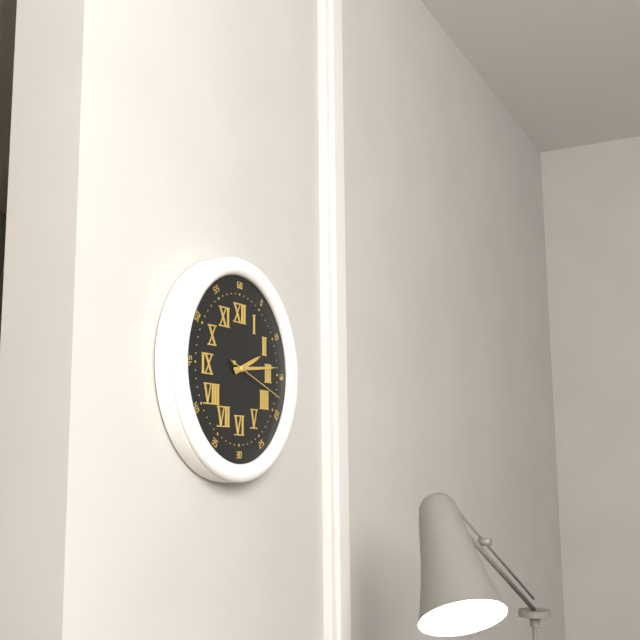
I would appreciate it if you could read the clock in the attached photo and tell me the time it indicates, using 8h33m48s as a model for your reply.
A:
2h14m18s
